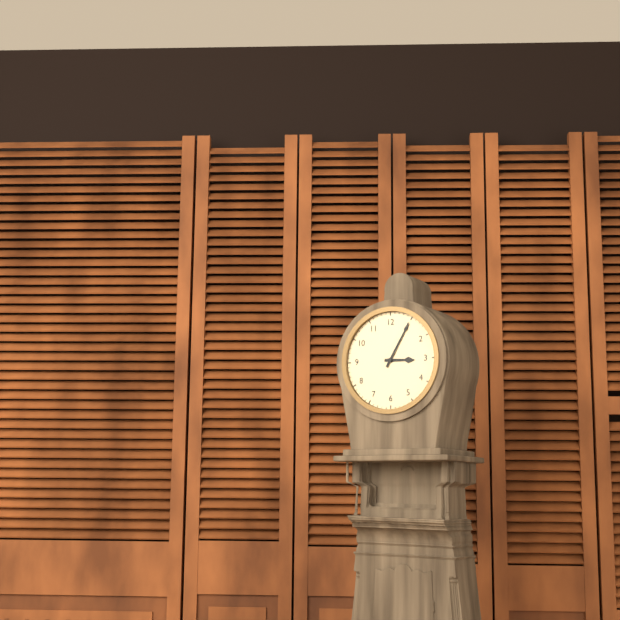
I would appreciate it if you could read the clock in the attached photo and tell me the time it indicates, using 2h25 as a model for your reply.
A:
3h05
